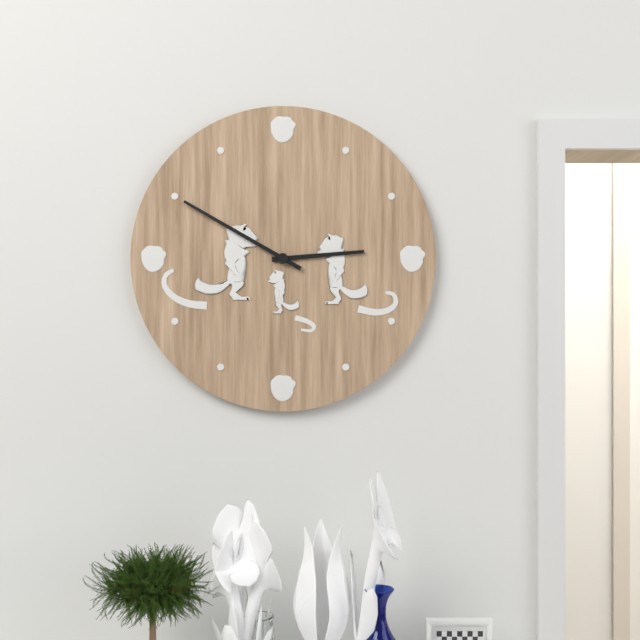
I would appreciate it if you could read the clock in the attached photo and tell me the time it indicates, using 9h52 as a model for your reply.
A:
2h50
